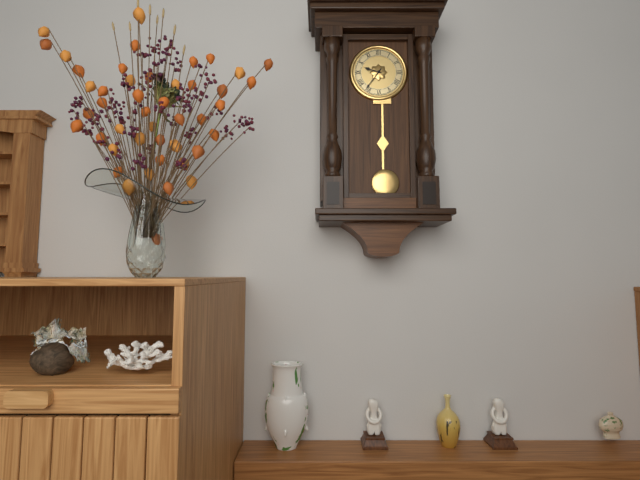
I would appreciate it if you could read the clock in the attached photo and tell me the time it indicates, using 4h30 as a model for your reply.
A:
9h36
